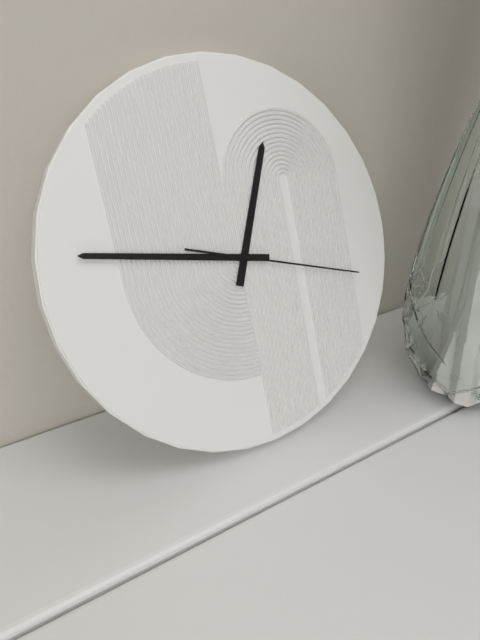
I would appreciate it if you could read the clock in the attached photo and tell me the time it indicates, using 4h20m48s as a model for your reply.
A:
12h47m18s
